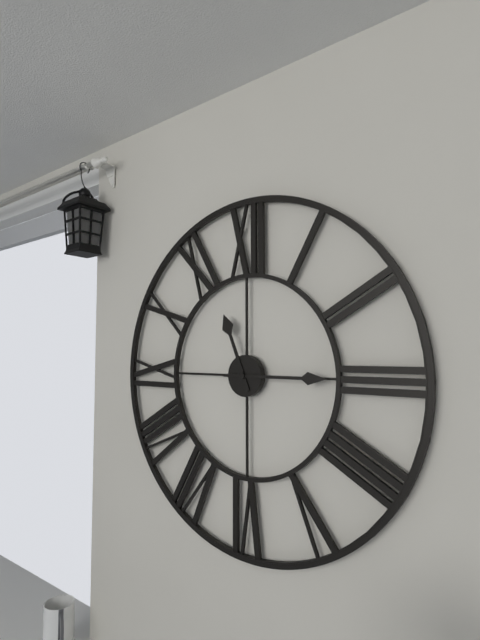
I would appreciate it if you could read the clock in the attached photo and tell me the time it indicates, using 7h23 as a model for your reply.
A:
11h15
